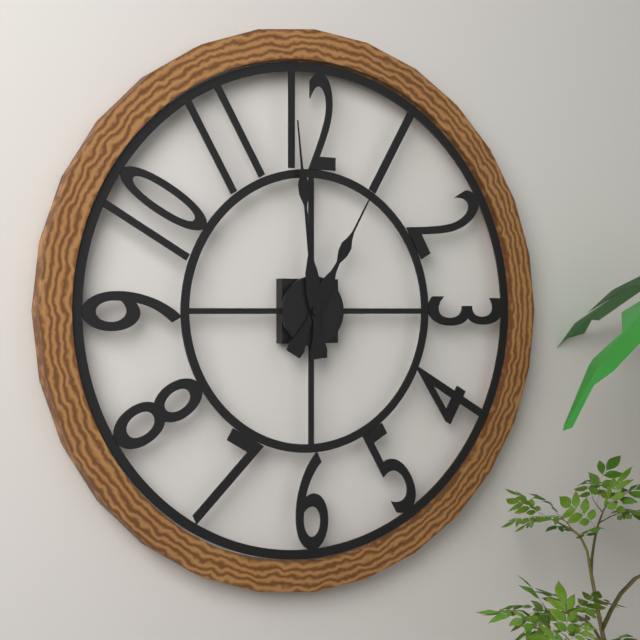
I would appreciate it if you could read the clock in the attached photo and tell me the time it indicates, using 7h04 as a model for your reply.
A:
12h59
